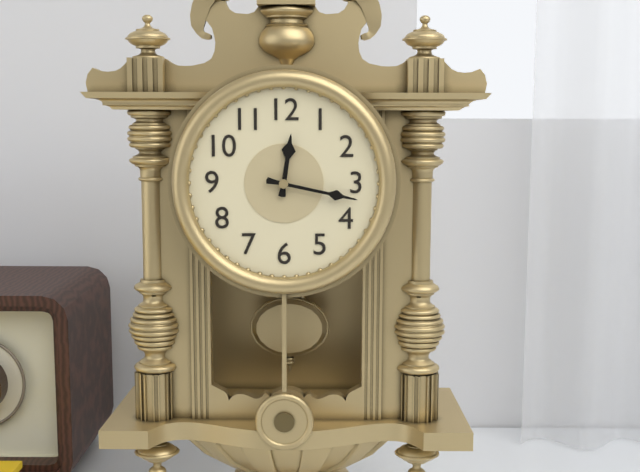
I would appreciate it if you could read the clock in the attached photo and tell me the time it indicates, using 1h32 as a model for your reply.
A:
12h17
